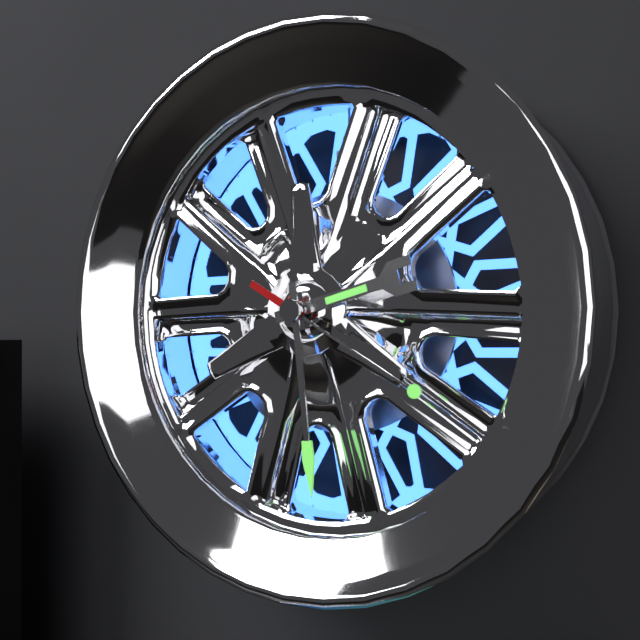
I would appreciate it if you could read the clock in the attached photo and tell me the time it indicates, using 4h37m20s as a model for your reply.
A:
2h29m20s
